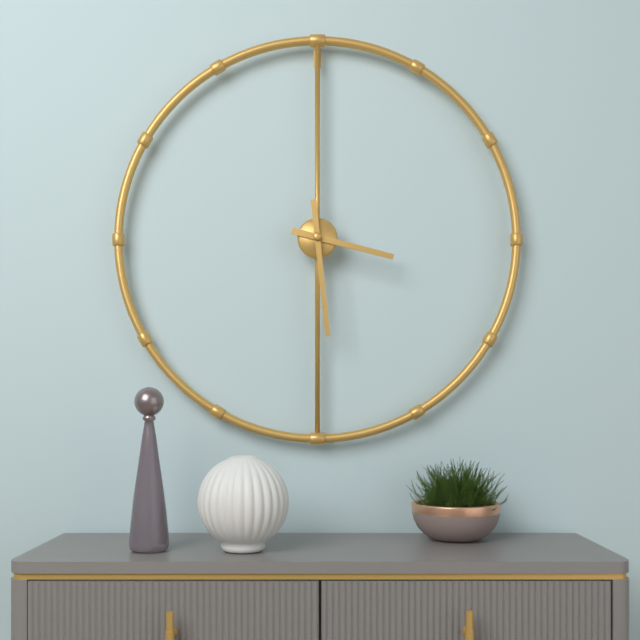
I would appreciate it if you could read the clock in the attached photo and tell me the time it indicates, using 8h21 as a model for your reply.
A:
3h29
